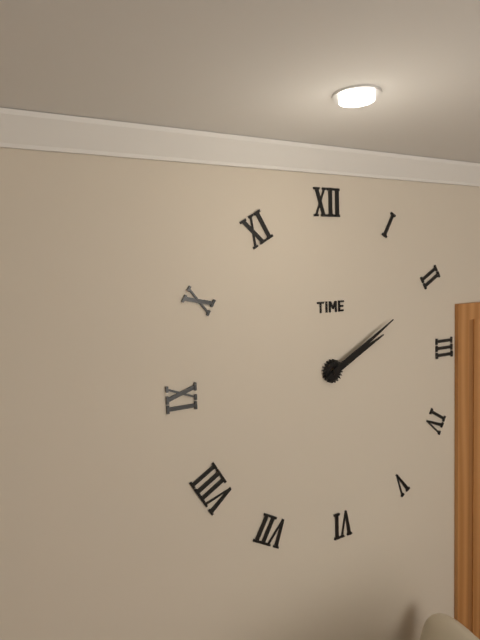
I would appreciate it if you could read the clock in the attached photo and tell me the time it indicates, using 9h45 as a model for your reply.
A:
2h10
